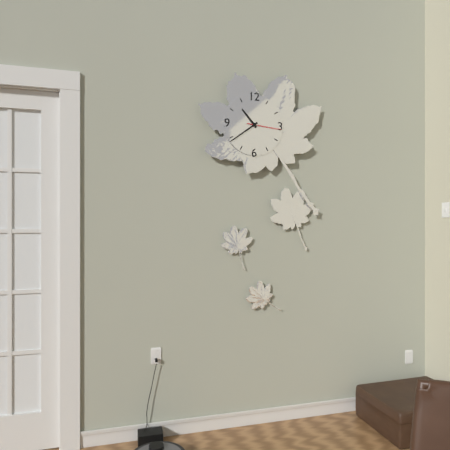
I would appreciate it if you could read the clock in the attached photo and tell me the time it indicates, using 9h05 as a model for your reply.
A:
10h39
